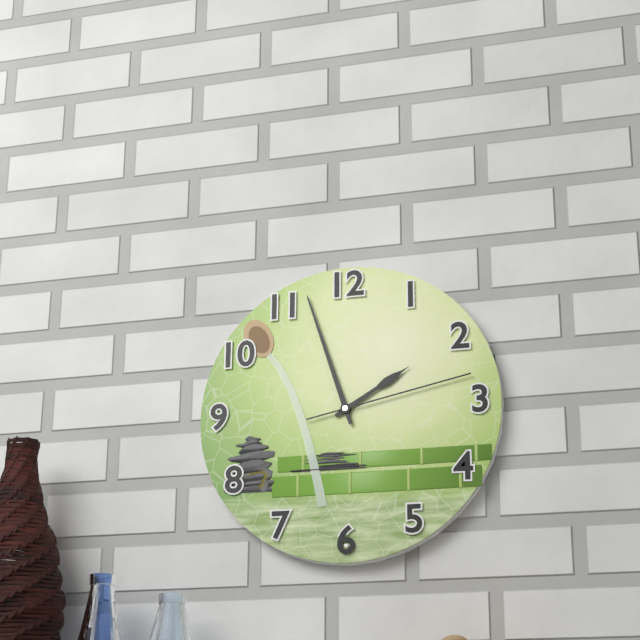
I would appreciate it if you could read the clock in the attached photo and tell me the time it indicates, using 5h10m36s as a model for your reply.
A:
1h57m13s
